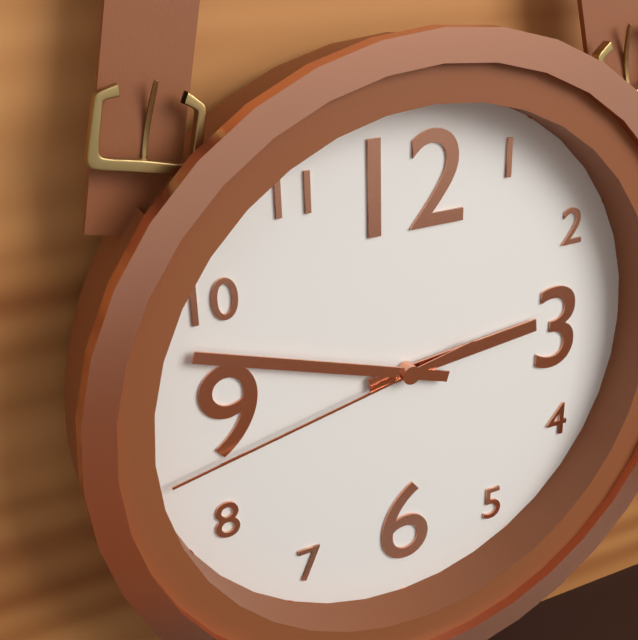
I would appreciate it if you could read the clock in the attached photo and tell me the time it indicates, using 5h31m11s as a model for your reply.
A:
2h48m43s
